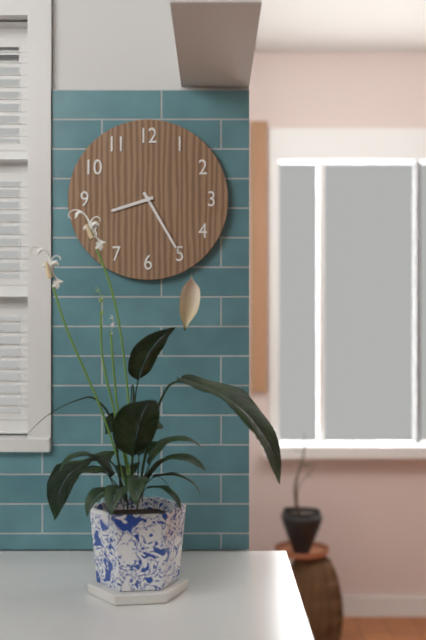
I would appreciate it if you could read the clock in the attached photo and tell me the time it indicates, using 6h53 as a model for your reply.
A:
8h25
